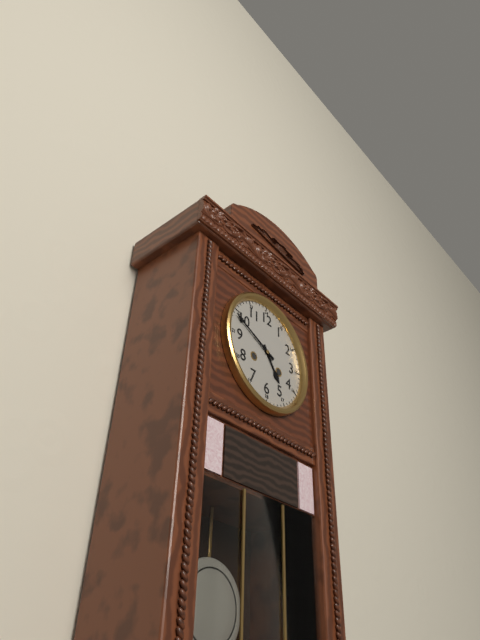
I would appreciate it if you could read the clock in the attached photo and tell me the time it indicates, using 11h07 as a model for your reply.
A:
4h49
